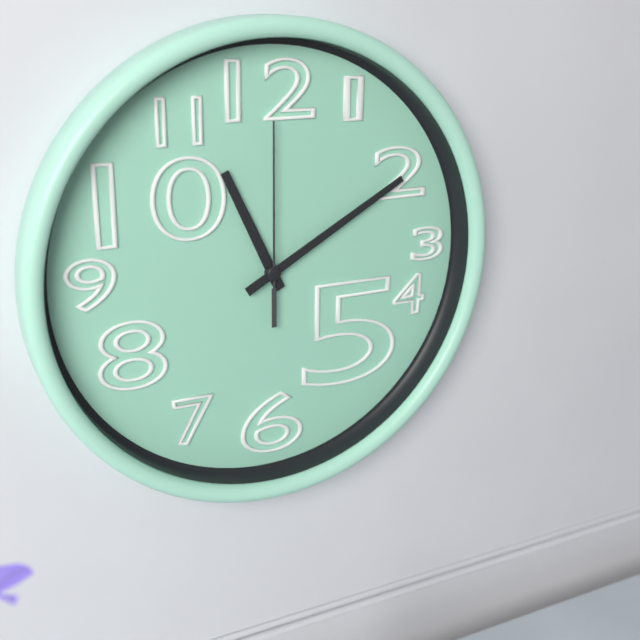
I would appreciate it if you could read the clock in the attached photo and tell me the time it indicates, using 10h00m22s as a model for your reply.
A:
11h10m00s
